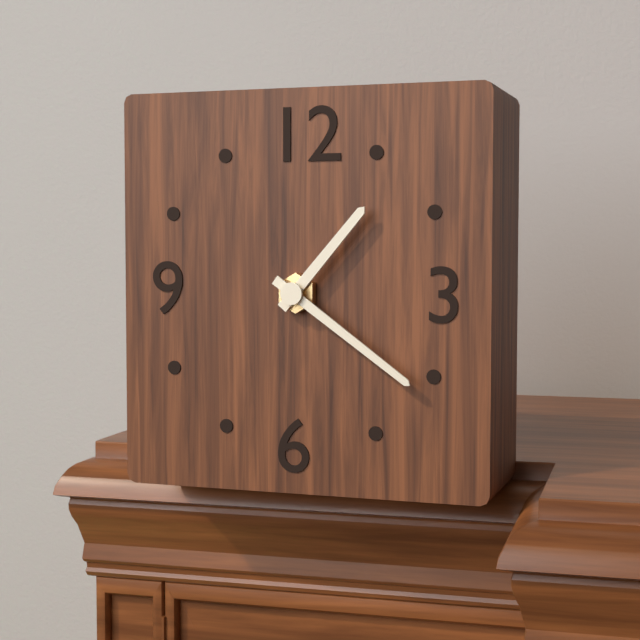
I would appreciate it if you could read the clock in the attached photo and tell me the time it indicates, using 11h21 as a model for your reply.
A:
1h21
